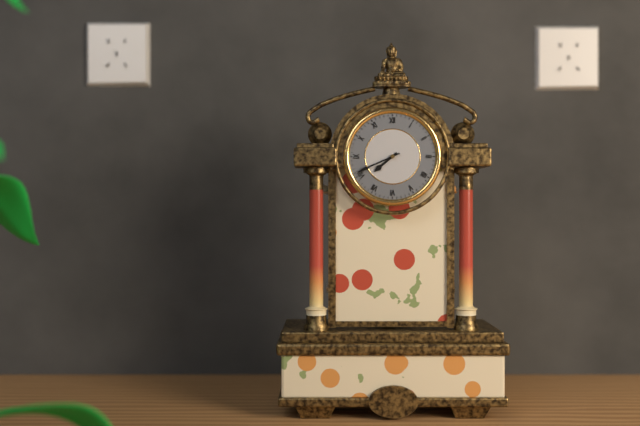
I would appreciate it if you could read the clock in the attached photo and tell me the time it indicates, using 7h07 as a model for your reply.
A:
7h41
